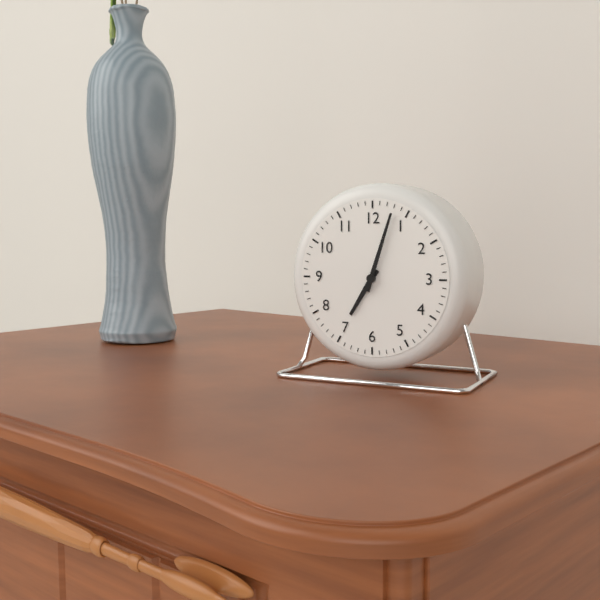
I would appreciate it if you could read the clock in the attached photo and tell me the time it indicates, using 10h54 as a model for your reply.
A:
7h03
